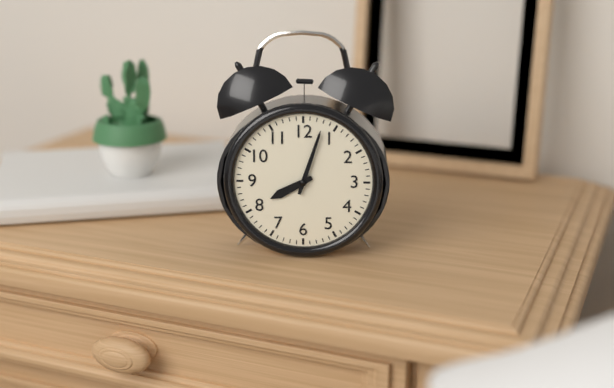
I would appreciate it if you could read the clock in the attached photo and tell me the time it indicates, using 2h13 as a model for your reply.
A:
8h03
